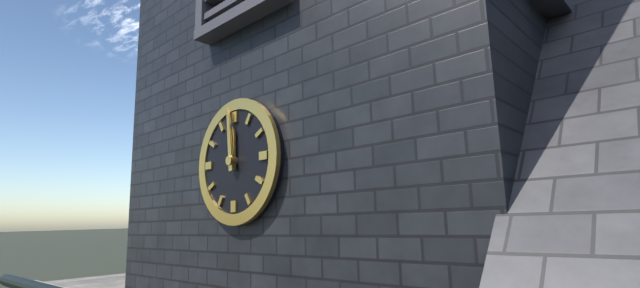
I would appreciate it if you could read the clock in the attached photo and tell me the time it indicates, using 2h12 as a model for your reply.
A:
11h59
